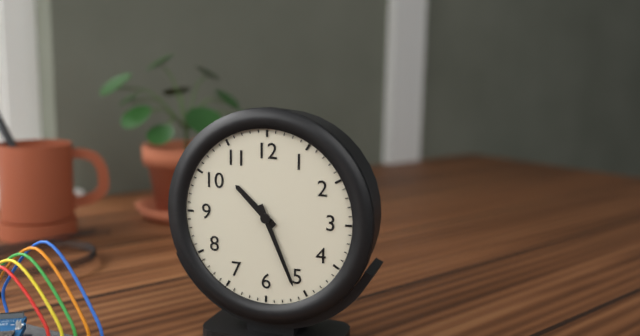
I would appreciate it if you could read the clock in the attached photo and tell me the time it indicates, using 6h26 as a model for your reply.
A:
10h26
